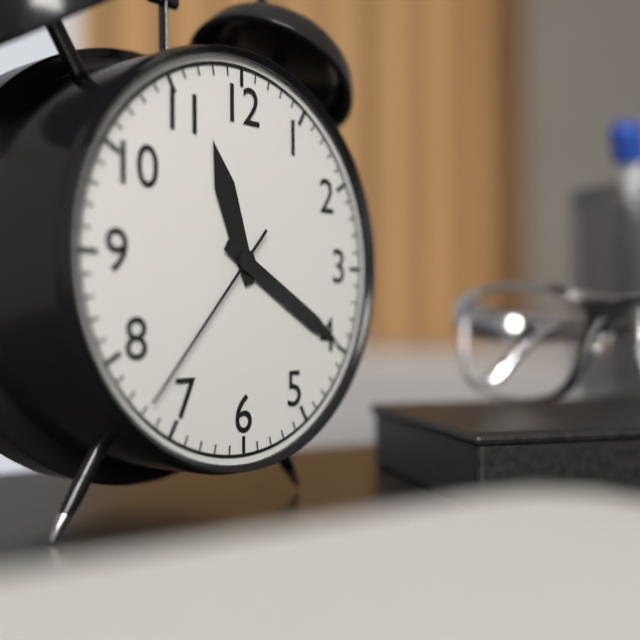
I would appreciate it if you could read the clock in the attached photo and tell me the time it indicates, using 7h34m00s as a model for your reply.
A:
11h20m37s
